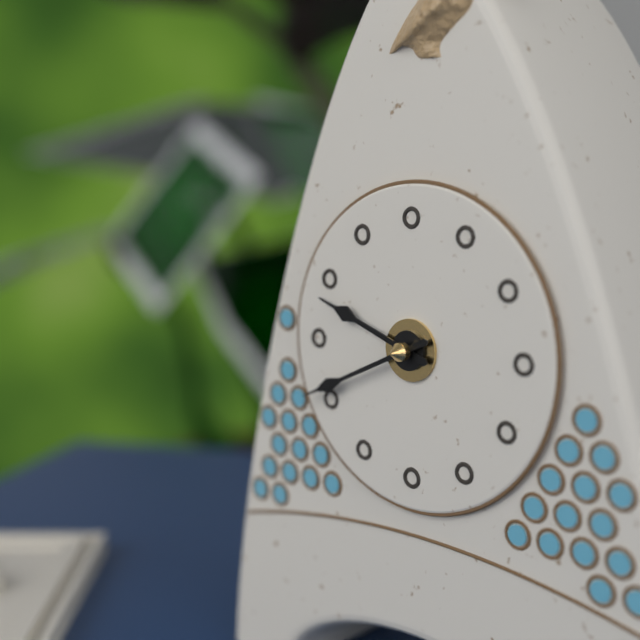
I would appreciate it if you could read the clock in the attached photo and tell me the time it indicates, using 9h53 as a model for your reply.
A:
9h41
